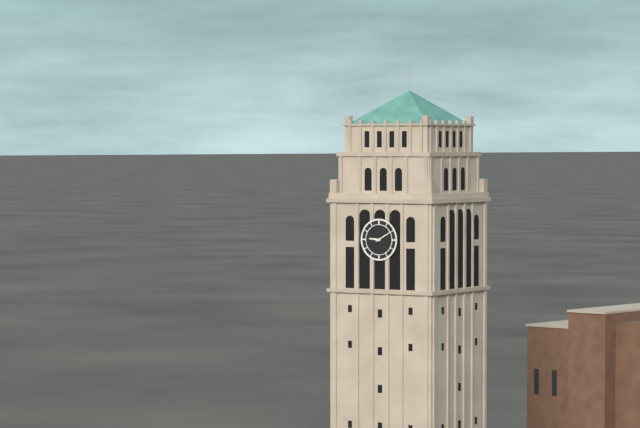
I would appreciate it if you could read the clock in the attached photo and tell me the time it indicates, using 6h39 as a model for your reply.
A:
9h10
